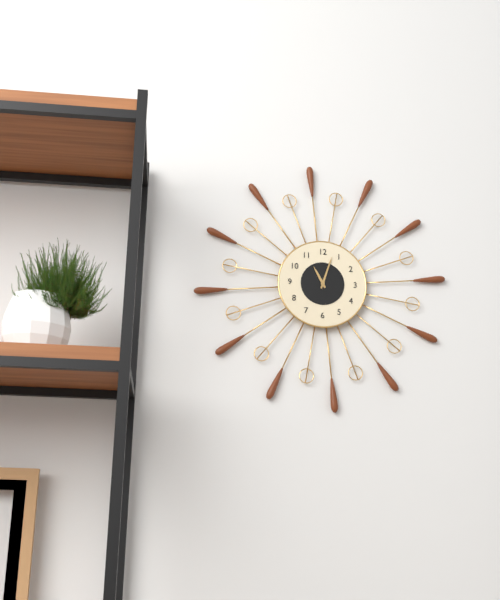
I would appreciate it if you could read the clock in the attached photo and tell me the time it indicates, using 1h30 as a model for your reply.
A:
11h03
